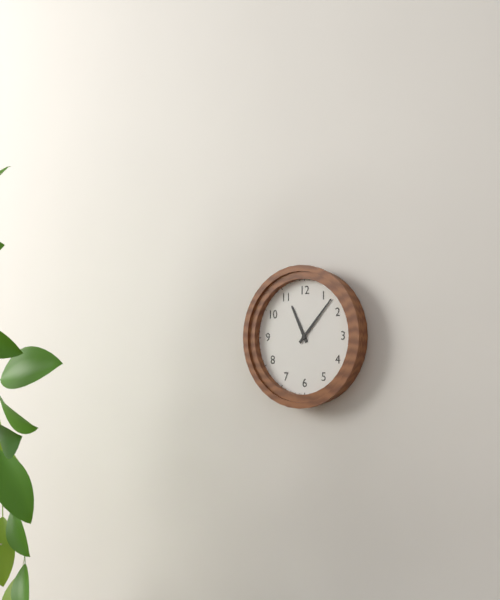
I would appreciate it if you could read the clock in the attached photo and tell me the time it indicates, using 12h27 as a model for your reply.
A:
11h07
